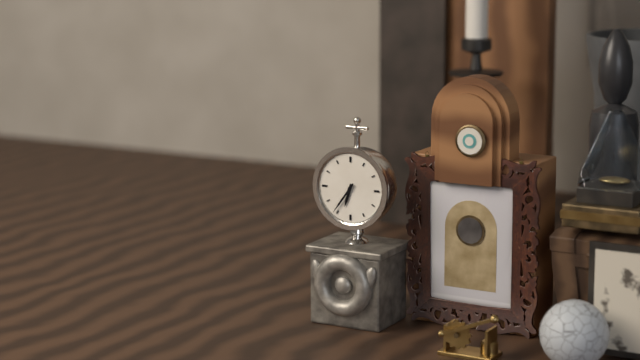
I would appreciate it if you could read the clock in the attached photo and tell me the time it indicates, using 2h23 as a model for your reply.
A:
6h36
